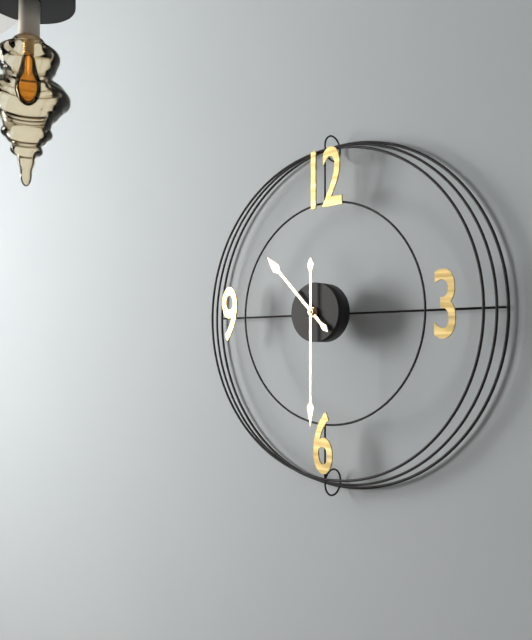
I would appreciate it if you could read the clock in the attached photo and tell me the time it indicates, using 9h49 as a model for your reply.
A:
10h30
